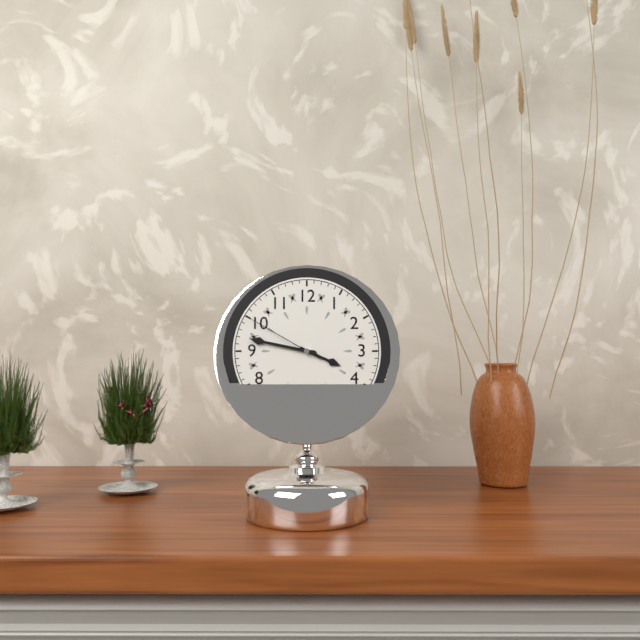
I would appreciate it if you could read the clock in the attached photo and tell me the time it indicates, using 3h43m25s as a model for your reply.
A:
3h47m50s
